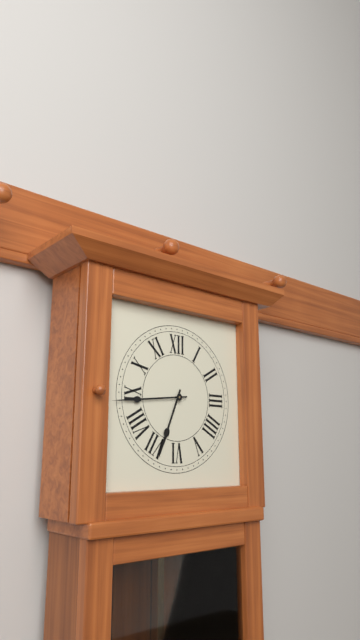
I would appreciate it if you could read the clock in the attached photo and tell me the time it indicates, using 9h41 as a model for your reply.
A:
6h44
